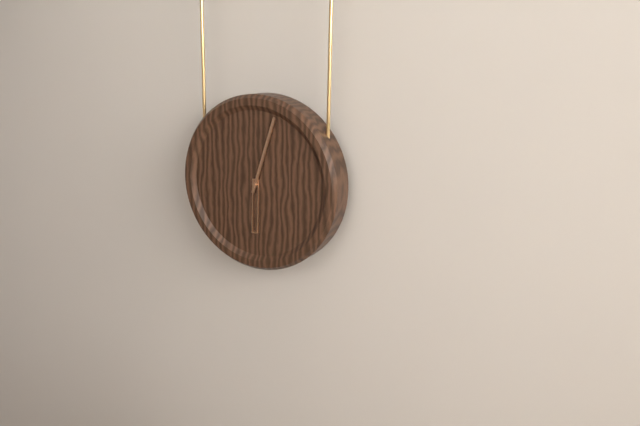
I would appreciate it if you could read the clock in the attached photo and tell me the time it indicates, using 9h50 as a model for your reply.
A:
6h03
